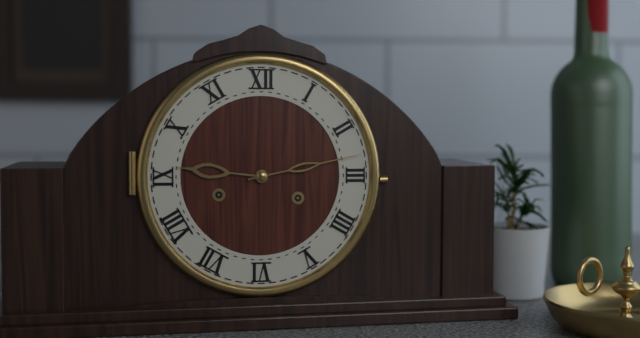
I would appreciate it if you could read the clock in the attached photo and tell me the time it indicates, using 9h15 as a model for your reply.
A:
9h13
